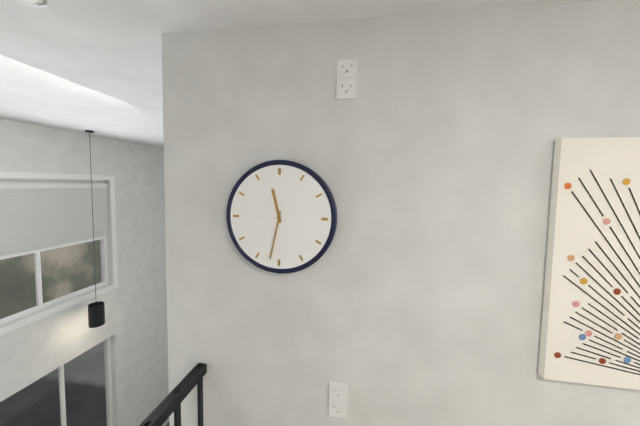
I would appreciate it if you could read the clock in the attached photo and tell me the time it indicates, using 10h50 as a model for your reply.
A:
11h32
